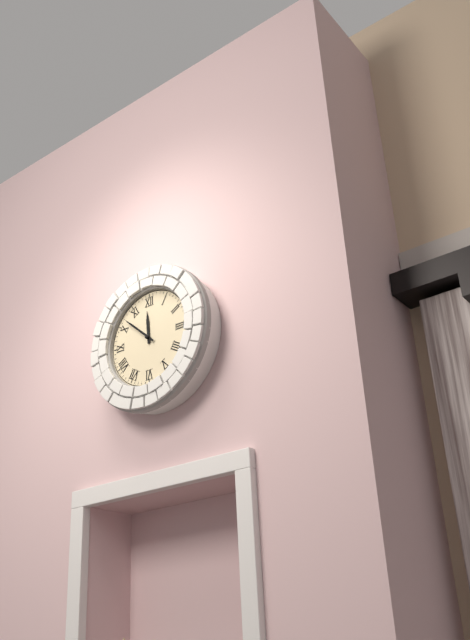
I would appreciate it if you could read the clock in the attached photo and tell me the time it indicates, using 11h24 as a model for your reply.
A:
11h52
